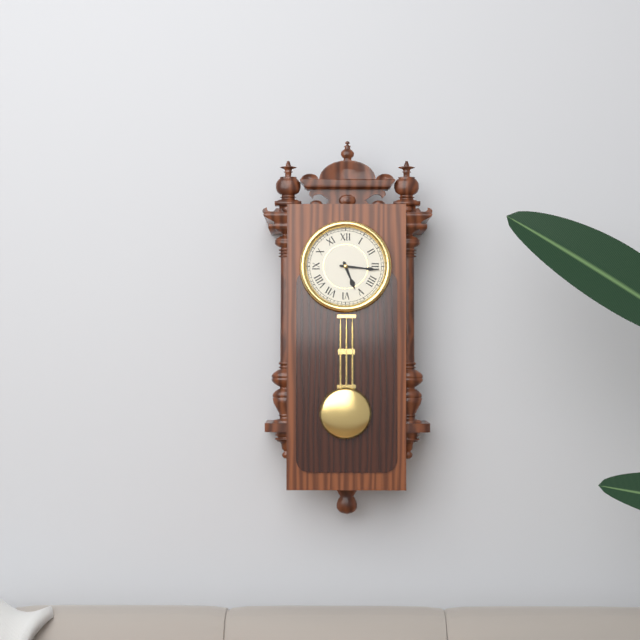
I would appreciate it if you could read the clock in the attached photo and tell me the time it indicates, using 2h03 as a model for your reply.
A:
5h16
